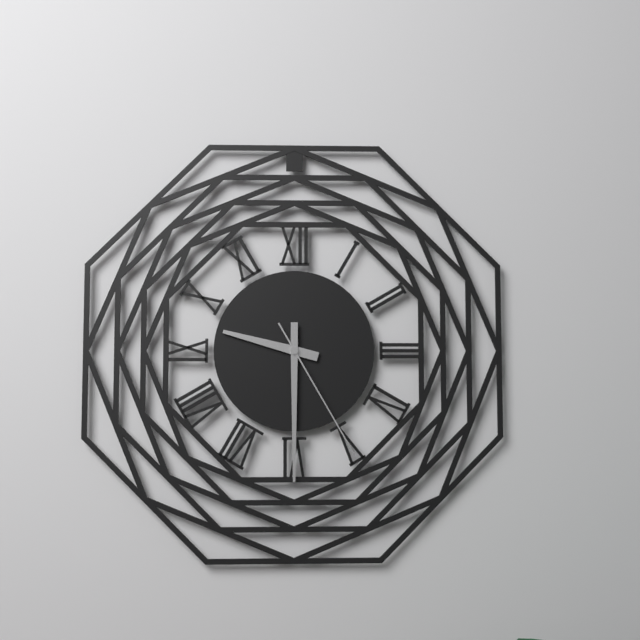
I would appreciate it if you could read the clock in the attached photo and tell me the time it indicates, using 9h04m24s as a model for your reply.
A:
9h30m25s
